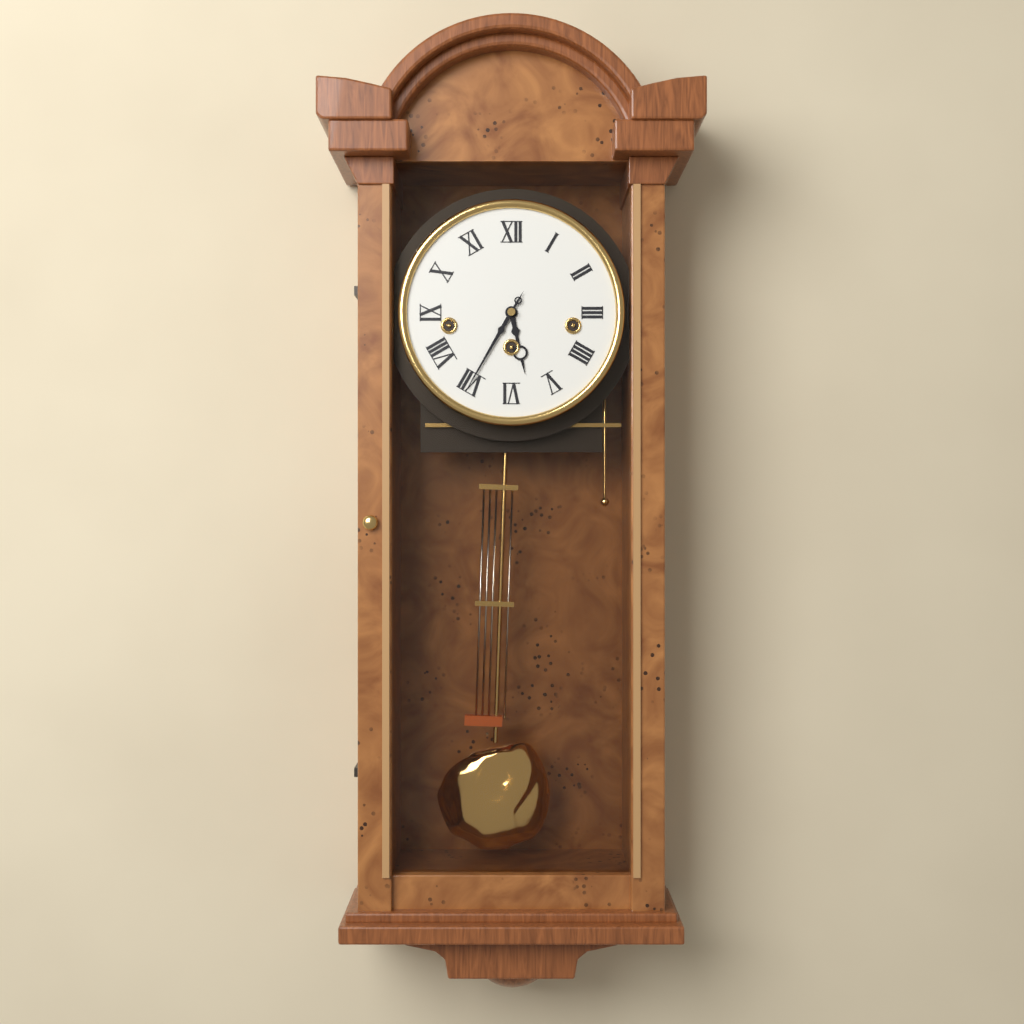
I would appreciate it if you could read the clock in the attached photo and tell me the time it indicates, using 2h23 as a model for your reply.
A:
5h35
